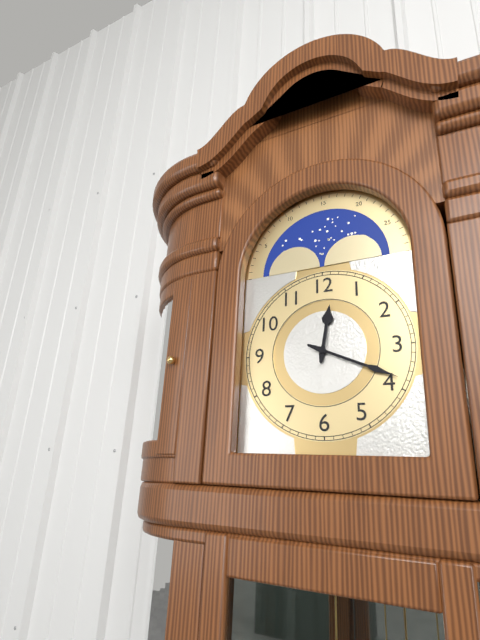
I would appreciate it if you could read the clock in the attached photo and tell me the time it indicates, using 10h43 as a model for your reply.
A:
12h19
